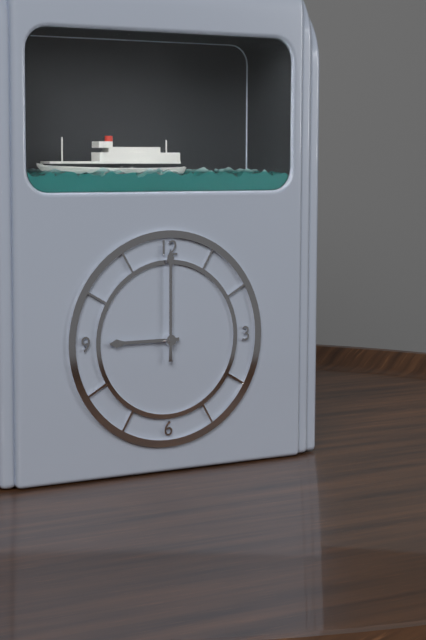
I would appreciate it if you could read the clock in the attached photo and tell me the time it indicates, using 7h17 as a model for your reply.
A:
9h00
